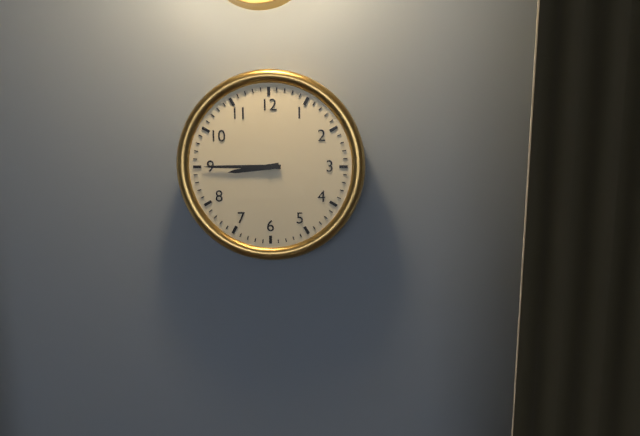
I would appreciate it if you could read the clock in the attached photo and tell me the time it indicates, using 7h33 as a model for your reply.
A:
8h45
